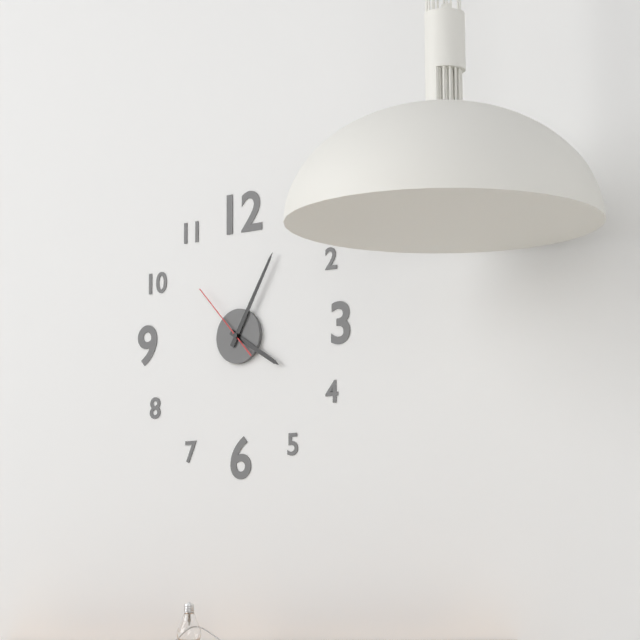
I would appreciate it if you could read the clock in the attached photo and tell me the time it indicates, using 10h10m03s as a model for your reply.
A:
4h05m53s
